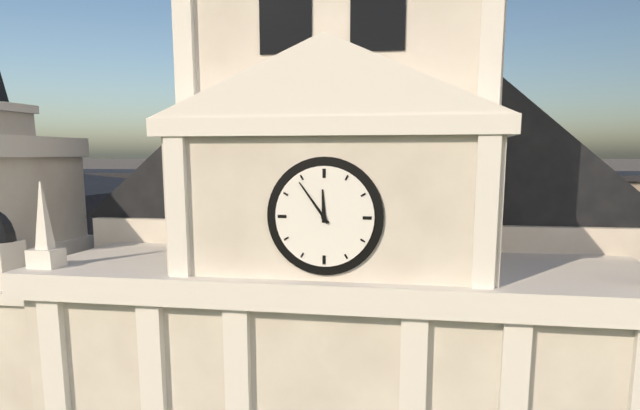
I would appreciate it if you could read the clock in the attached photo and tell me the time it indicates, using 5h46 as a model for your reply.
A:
11h54
